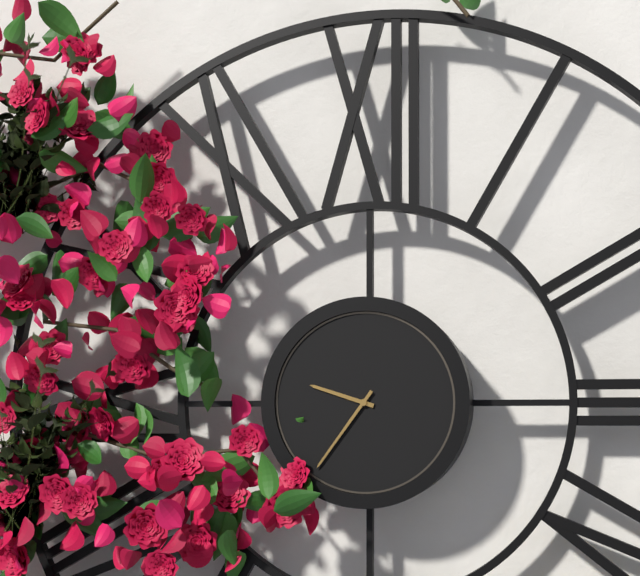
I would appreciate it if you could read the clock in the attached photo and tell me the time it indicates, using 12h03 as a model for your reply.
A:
9h36
